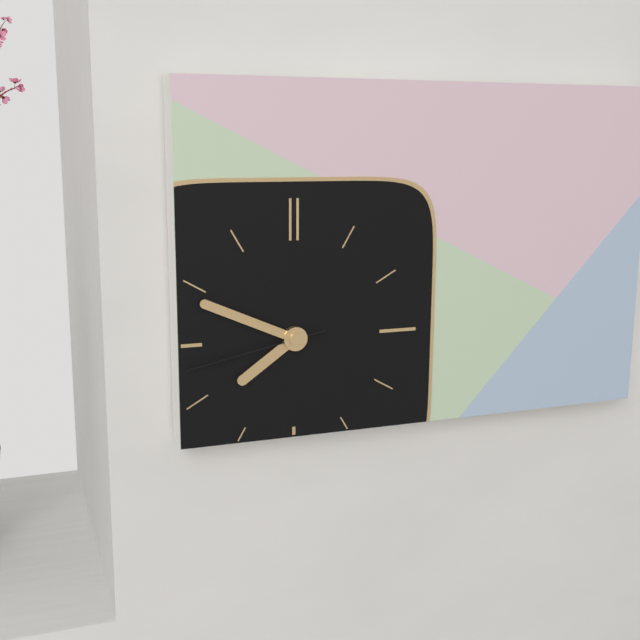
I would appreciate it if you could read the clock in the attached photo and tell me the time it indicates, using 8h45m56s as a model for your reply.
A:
7h49m43s
